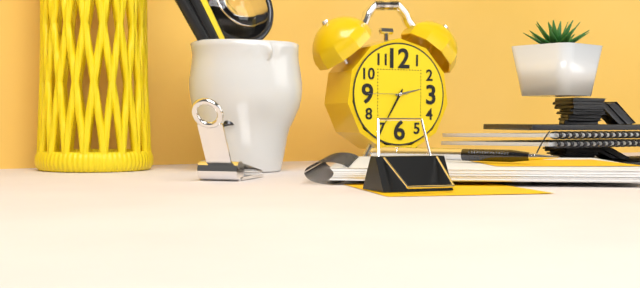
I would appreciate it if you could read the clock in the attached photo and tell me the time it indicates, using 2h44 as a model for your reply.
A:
2h35
